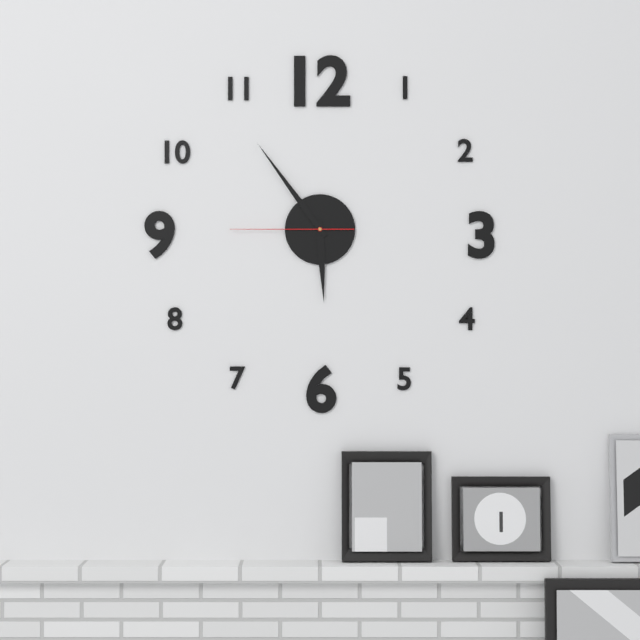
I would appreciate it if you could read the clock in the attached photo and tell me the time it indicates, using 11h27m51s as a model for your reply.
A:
5h54m45s
